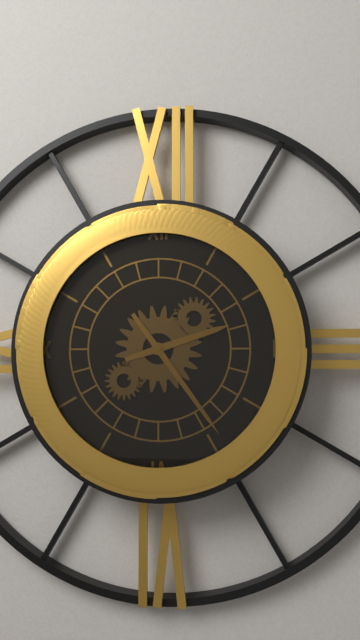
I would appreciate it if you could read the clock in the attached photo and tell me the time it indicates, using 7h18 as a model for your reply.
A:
2h24
